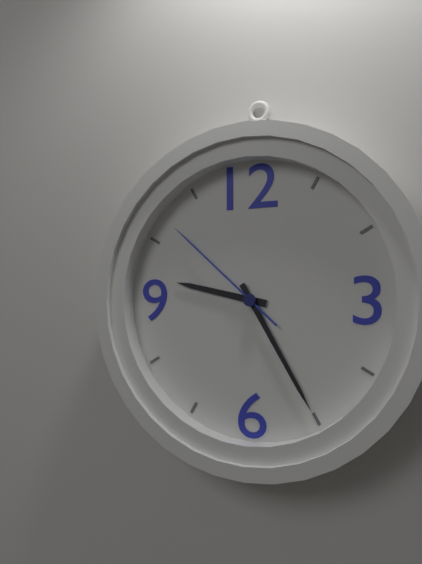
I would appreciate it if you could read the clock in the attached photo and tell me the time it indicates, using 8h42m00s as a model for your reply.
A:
9h25m52s
